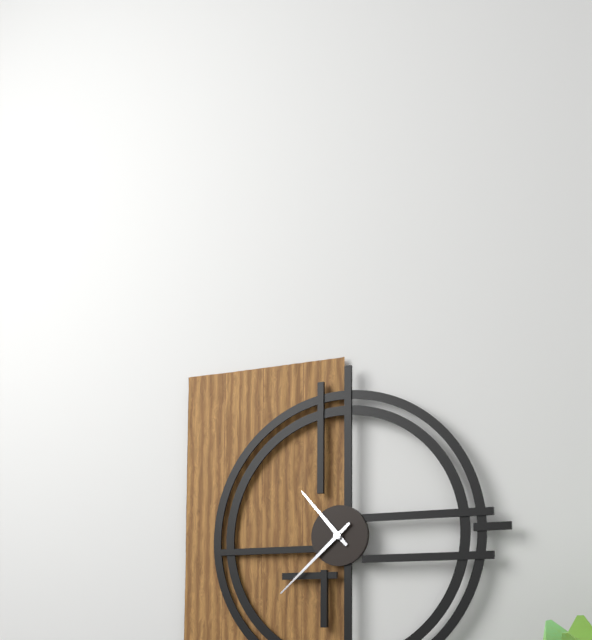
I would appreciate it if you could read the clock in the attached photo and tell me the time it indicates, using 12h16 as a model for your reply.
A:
10h38
